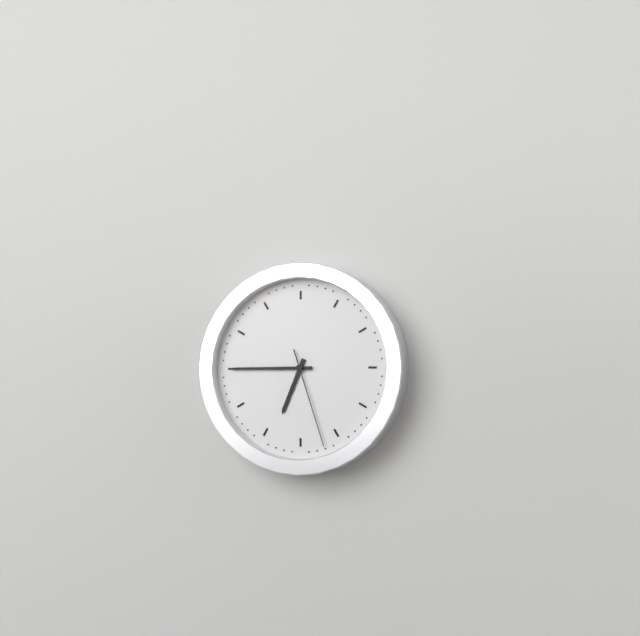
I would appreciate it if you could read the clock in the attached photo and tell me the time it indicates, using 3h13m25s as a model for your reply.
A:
6h45m27s
